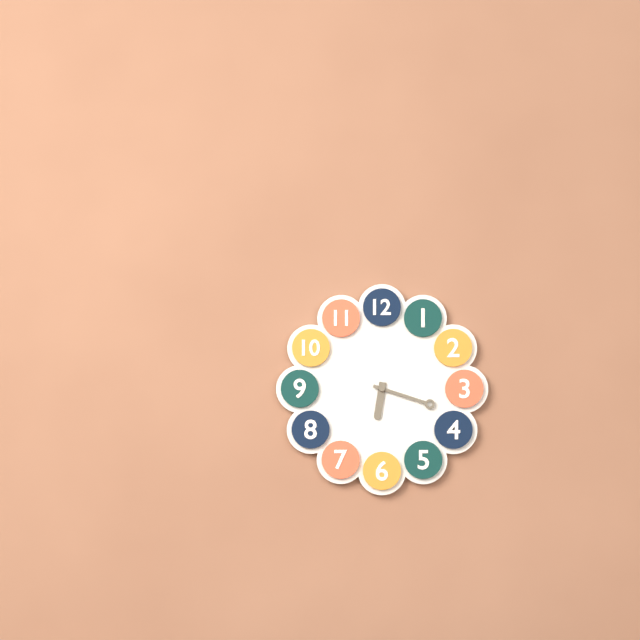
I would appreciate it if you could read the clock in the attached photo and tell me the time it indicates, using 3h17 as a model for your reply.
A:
6h18
